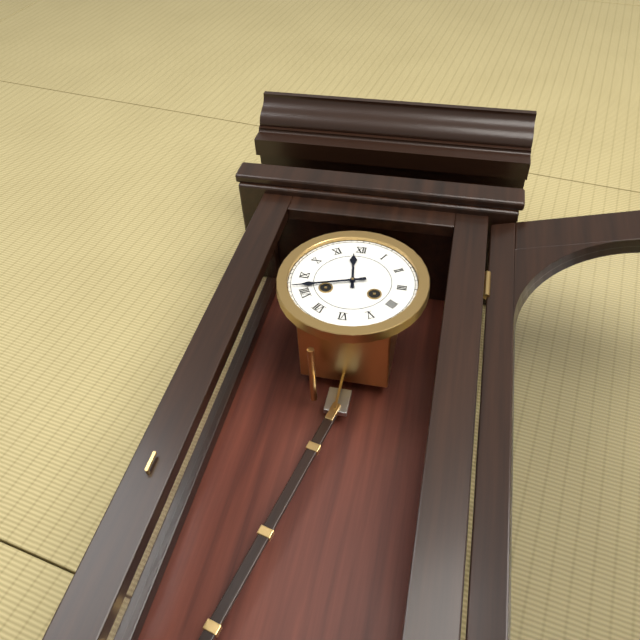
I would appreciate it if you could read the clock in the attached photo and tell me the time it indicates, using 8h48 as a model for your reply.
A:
11h42
